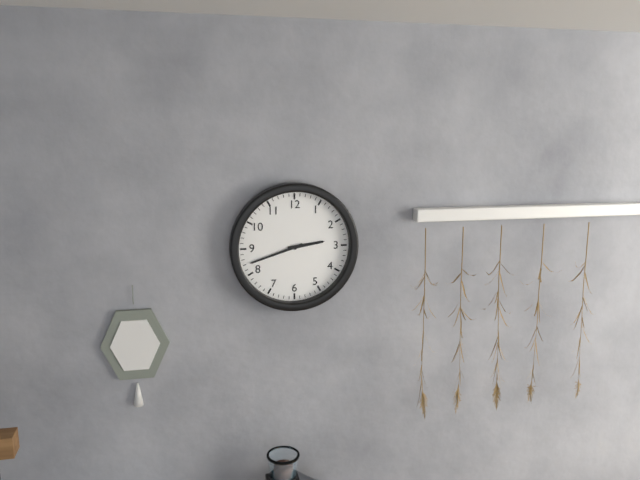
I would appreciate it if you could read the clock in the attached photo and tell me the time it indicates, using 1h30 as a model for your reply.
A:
2h42
